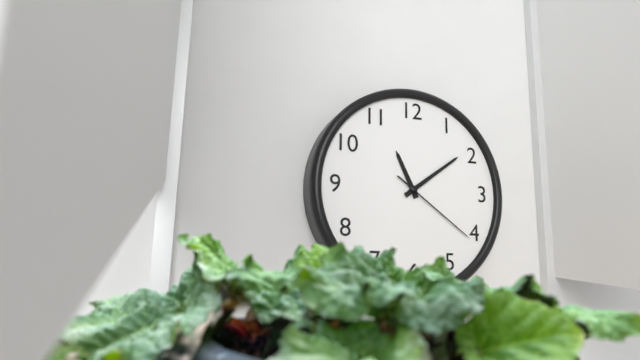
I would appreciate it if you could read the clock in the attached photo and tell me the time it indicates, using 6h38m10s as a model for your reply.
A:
11h09m21s
